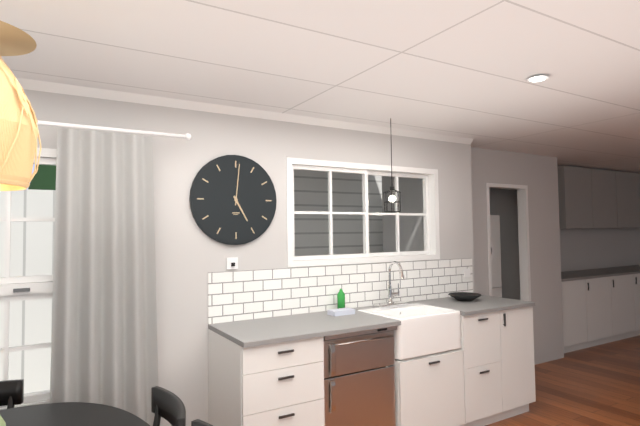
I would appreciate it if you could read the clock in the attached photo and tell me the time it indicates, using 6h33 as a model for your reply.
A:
5h01
